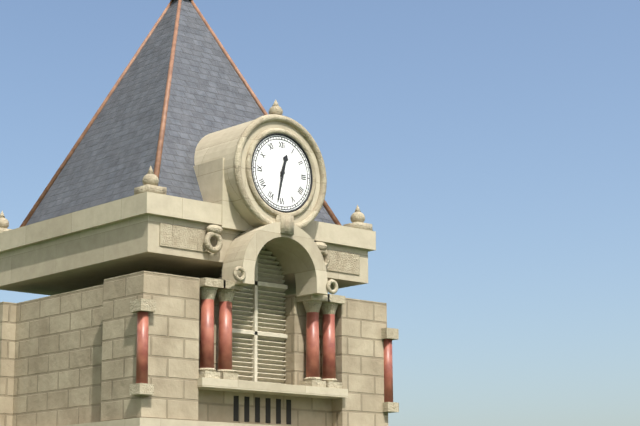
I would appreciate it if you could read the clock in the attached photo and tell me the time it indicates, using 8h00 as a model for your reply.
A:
12h32
